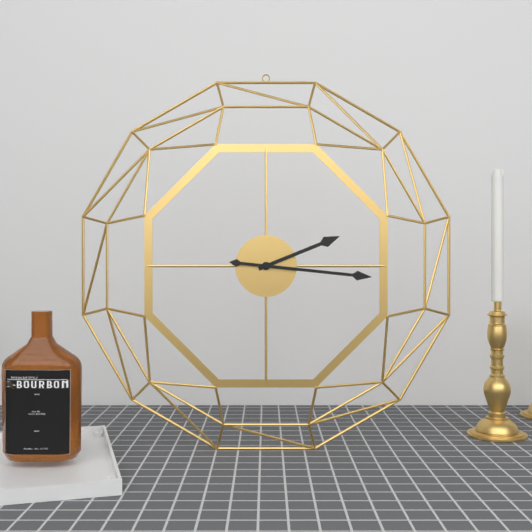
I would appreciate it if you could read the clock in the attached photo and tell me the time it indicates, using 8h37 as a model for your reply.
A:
2h16
